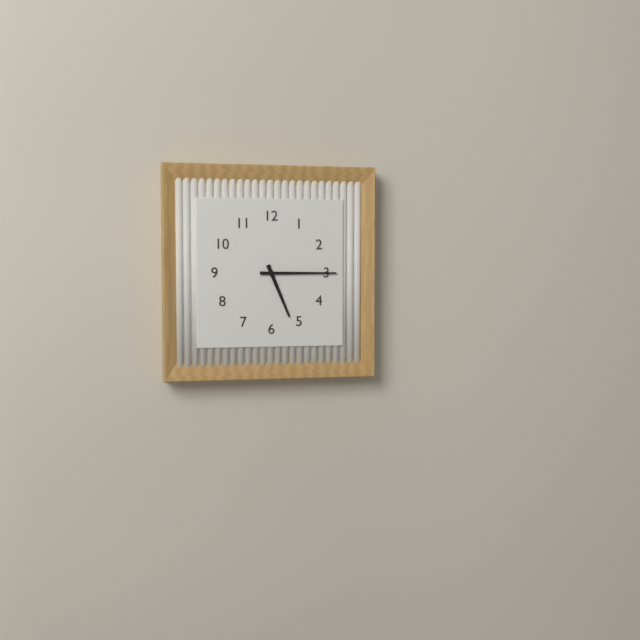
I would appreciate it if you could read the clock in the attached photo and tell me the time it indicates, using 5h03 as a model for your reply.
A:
5h15
